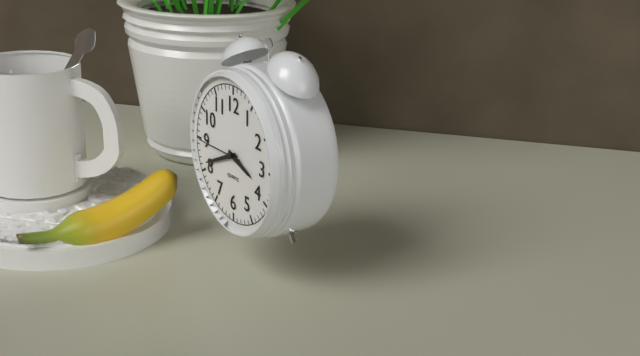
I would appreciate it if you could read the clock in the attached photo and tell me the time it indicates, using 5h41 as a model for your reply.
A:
3h41
